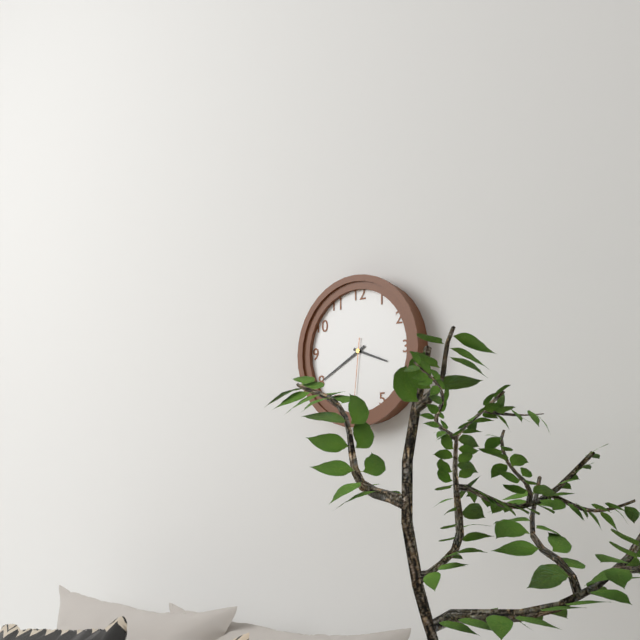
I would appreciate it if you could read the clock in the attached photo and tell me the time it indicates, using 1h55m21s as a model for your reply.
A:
3h40m31s
